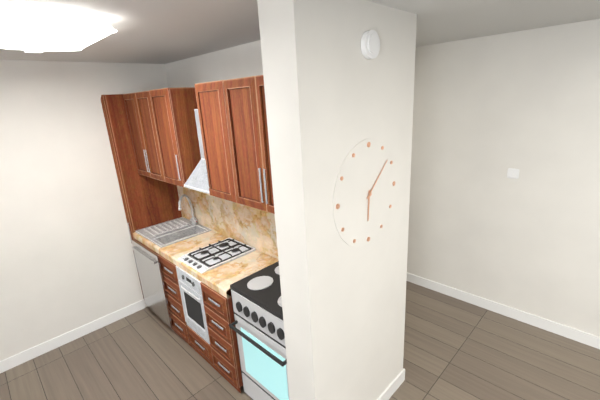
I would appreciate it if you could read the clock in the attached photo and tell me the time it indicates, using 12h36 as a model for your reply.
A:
6h08
